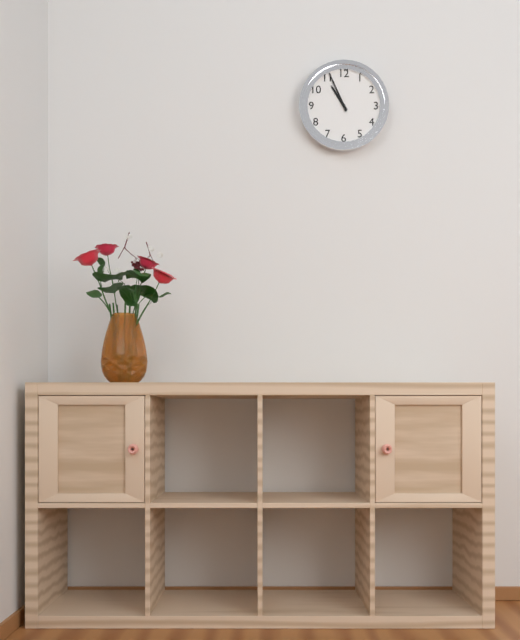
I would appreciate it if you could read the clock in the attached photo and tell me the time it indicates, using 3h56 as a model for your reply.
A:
10h56
